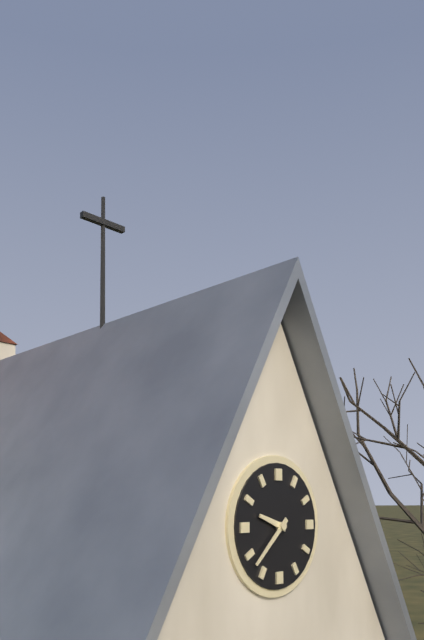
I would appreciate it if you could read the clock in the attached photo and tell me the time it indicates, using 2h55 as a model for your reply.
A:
9h38
